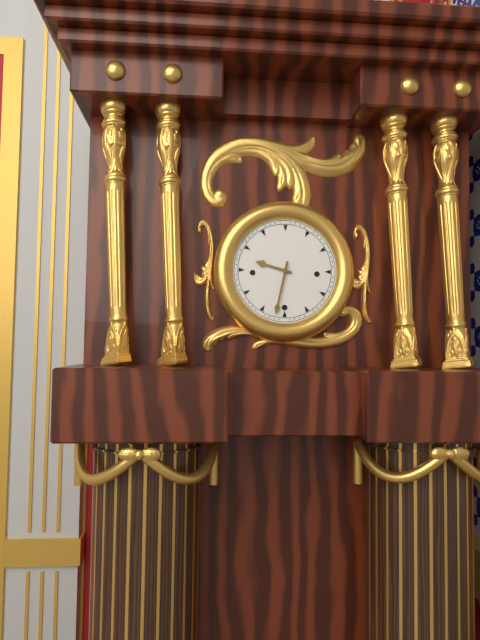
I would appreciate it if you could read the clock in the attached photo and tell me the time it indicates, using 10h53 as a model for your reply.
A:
9h32
